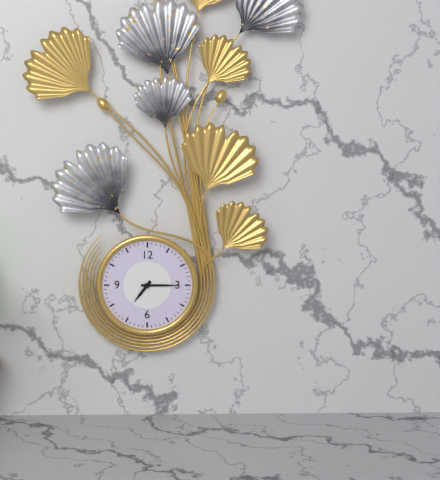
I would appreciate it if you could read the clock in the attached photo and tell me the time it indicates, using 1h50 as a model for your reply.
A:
7h15
